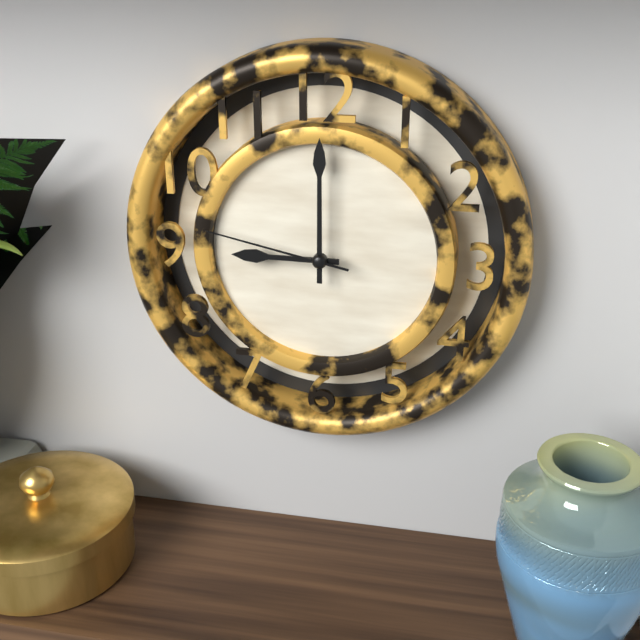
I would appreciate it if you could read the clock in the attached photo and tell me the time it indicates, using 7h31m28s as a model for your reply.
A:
9h00m47s
